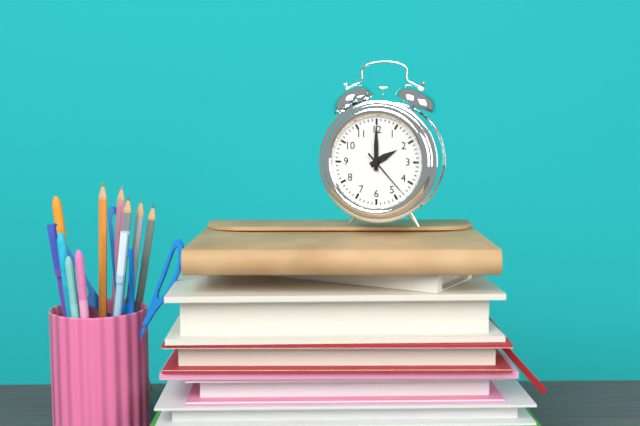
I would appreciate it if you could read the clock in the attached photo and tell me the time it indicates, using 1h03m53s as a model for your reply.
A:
2h00m23s
